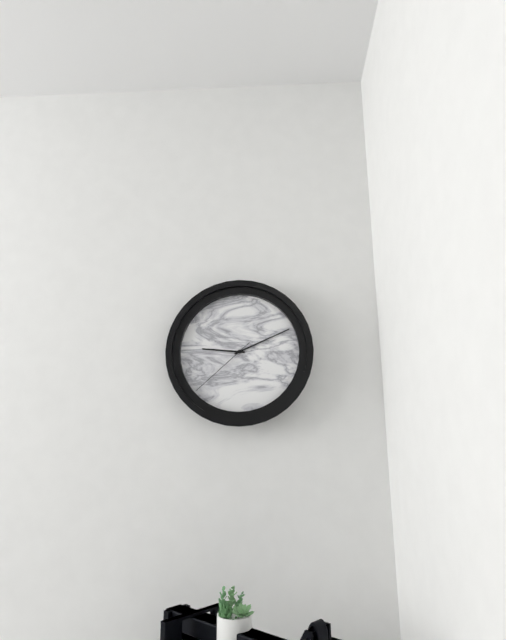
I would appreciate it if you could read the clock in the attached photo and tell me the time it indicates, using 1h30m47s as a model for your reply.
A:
9h11m38s
